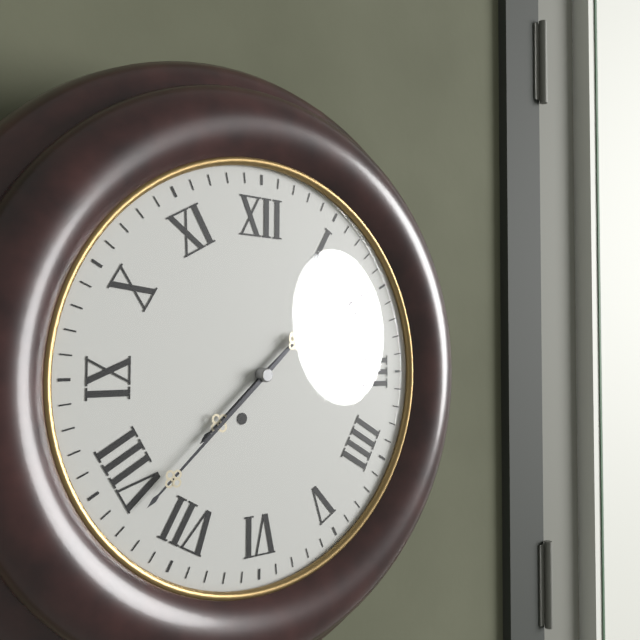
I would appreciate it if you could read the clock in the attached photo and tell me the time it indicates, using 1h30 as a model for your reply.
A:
7h38
